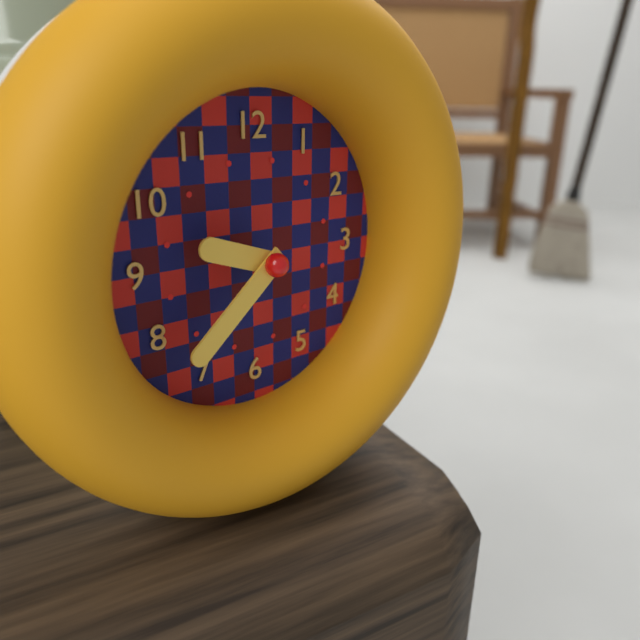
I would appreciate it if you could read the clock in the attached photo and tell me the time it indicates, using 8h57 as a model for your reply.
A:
9h38
